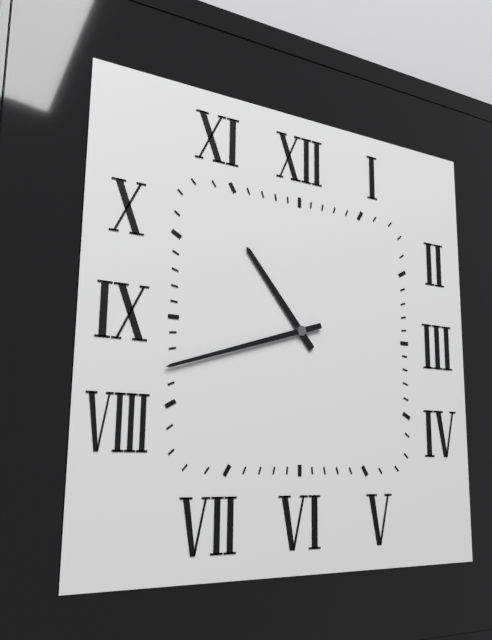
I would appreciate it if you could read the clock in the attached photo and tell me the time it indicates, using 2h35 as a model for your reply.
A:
10h42
